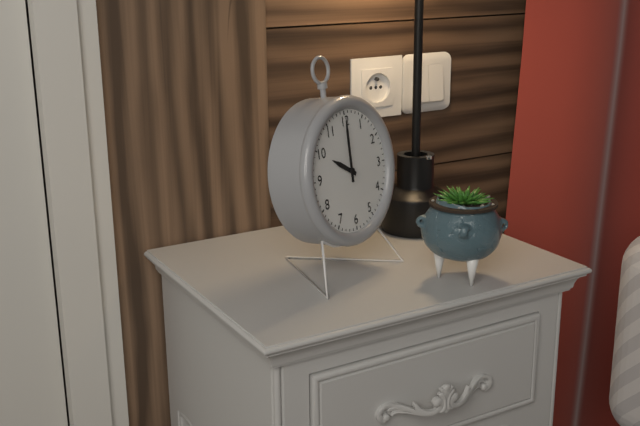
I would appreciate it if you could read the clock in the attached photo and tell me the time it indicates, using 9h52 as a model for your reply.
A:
10h00
